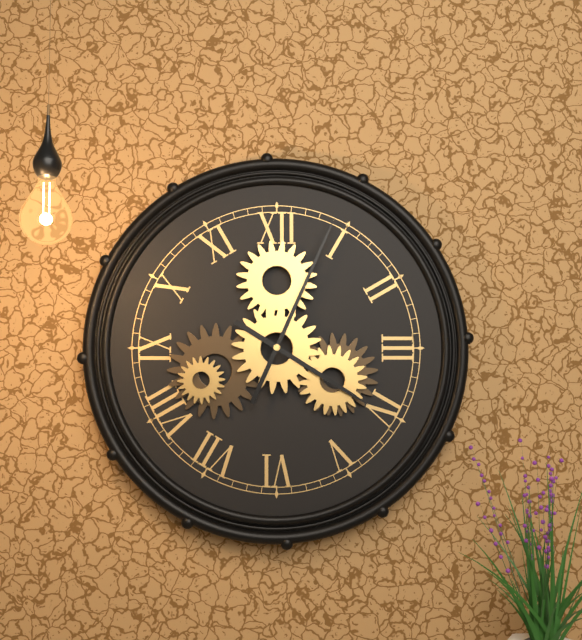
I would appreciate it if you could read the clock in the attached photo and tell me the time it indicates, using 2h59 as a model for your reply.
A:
4h04
